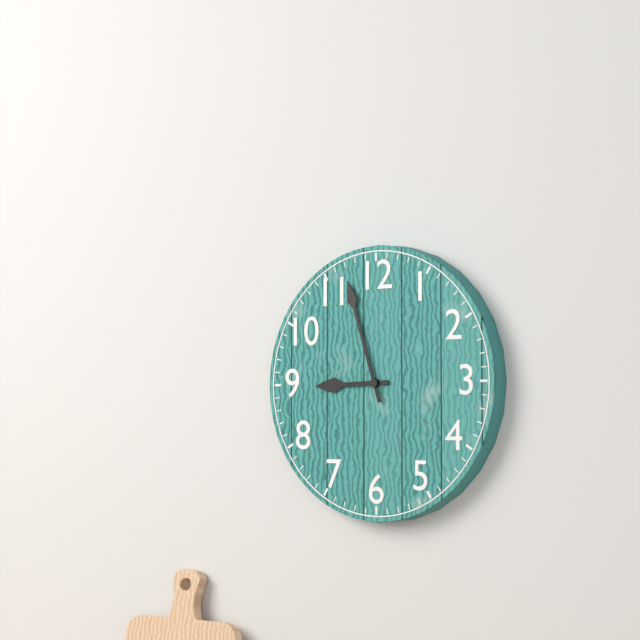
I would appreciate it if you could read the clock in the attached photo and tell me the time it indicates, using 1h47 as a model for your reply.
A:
8h57
